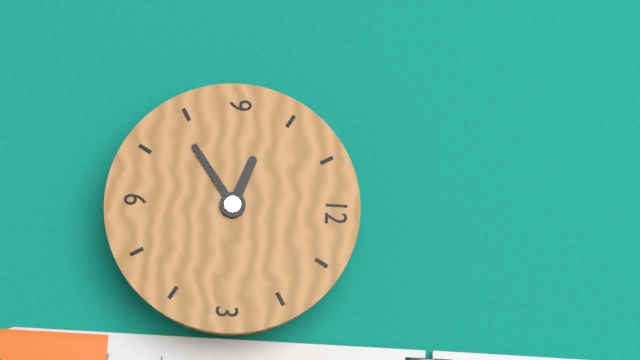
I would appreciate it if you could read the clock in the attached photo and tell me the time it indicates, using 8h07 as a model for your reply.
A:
9h39
